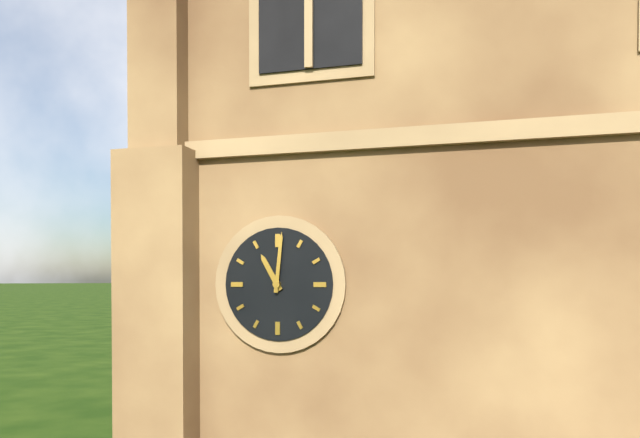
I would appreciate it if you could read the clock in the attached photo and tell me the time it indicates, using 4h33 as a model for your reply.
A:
11h01
